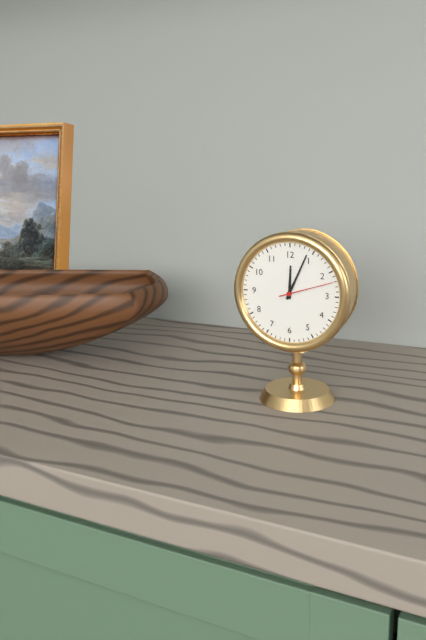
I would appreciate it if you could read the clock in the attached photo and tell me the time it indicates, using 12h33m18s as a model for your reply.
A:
12h04m12s
